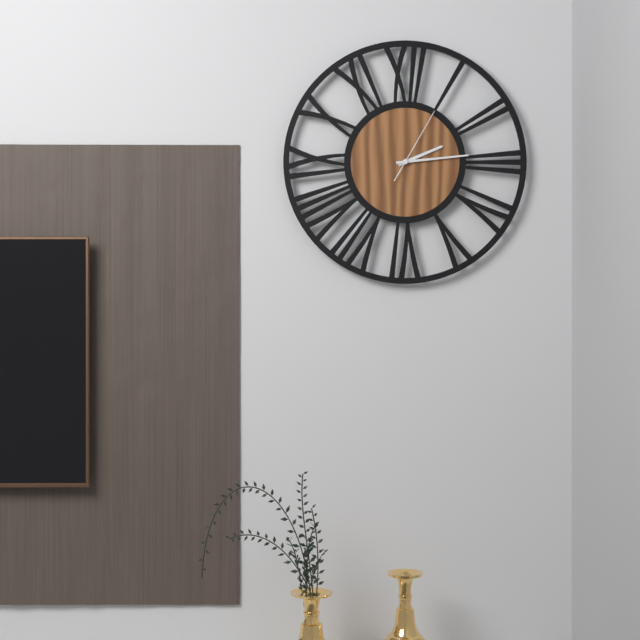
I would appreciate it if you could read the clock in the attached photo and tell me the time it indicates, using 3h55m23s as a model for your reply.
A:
2h14m05s
